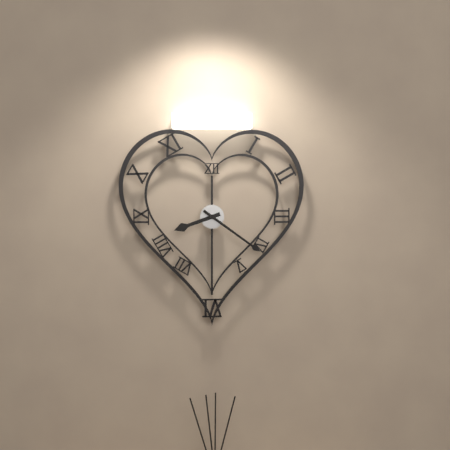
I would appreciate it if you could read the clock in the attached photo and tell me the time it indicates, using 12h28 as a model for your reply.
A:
8h21
